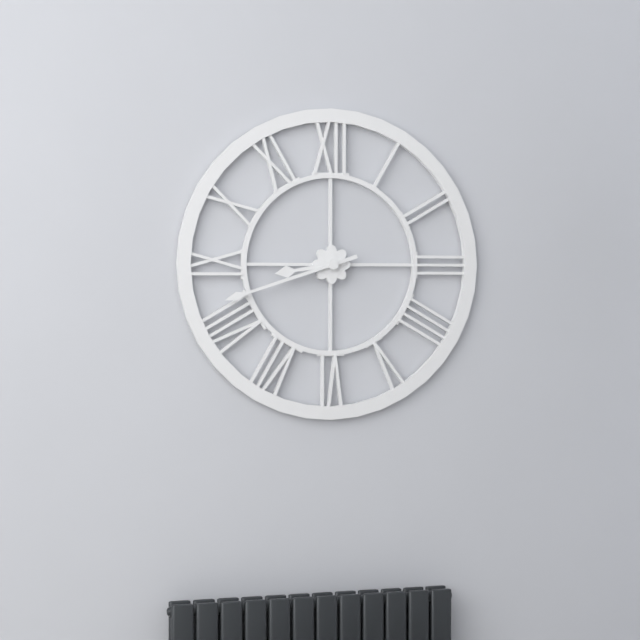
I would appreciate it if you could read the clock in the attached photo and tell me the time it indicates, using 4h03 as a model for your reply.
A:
8h42
